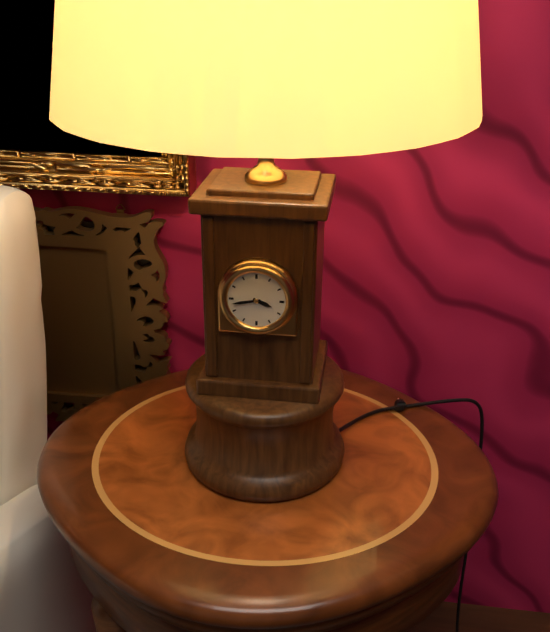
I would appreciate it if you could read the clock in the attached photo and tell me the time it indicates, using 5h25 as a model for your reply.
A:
3h43
